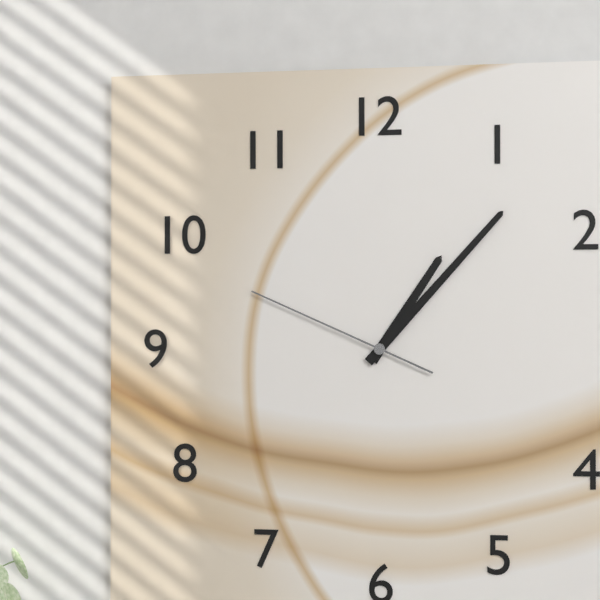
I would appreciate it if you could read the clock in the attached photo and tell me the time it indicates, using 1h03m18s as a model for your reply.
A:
1h07m49s
